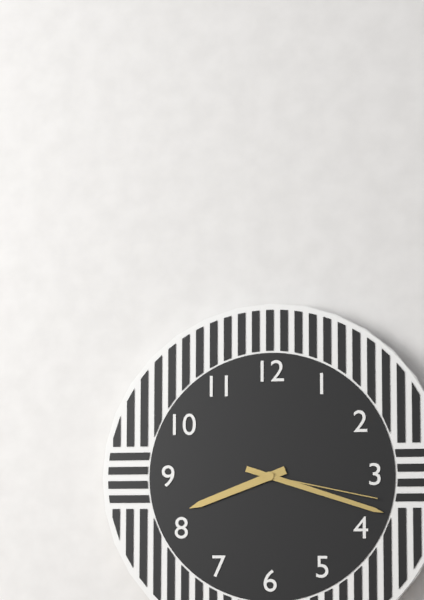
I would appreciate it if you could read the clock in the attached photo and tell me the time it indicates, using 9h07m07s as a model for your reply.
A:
8h18m17s
